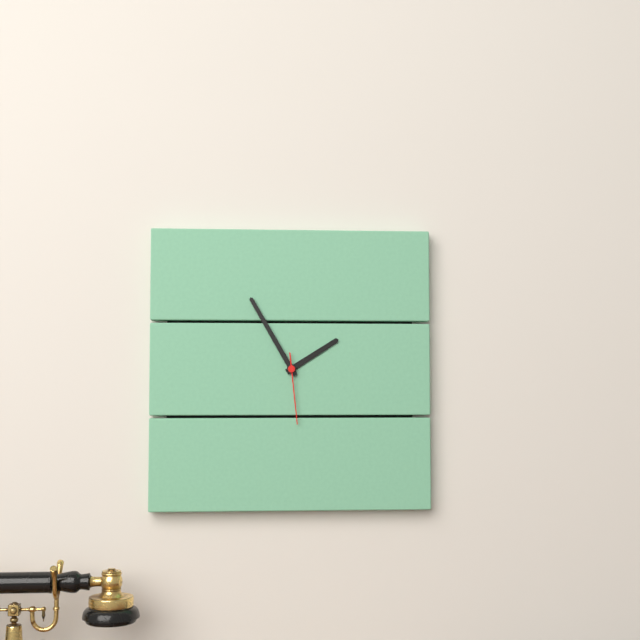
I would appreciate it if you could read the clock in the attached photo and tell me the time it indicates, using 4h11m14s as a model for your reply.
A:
1h55m29s
